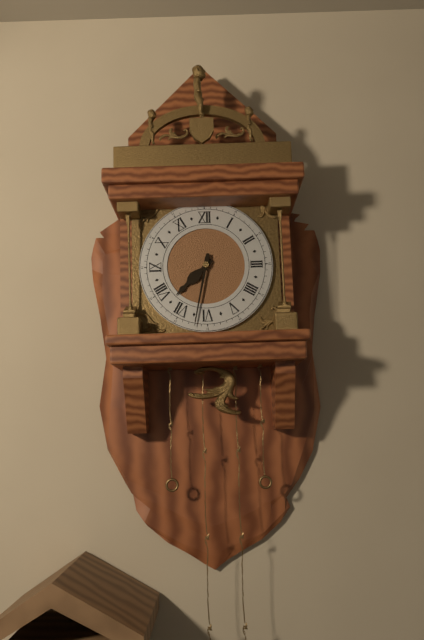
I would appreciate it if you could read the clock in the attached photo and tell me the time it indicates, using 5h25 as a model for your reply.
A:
7h32
